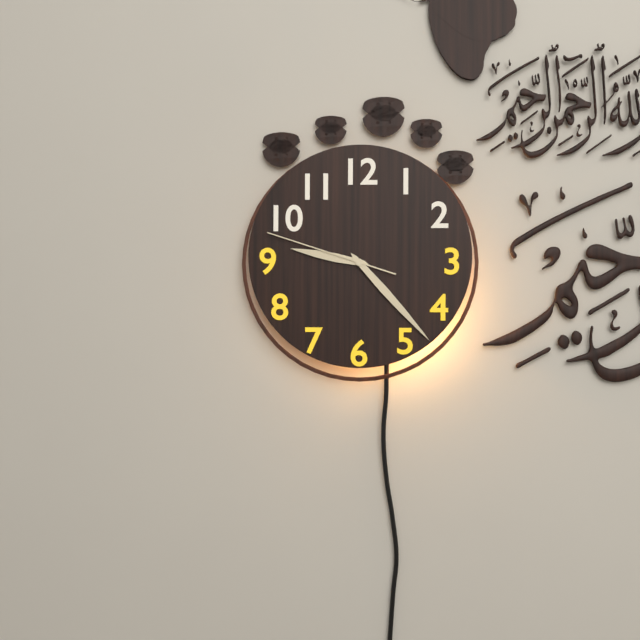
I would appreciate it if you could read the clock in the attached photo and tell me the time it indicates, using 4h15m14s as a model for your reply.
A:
9h23m48s
